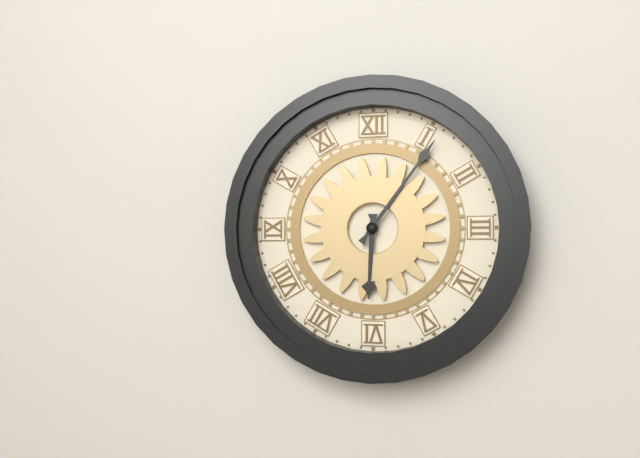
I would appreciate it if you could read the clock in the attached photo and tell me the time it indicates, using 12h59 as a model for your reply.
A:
6h06
